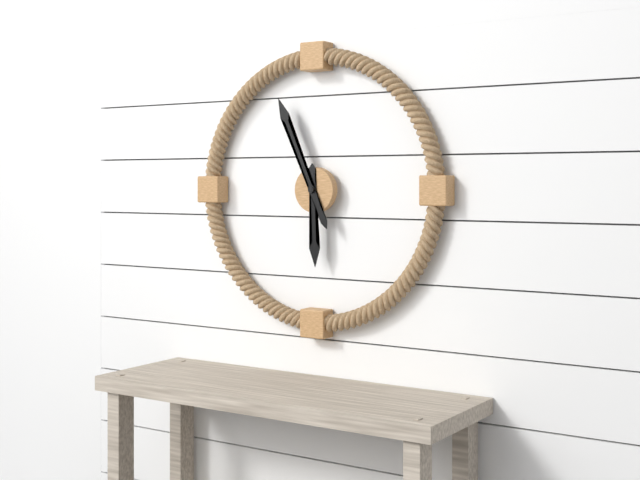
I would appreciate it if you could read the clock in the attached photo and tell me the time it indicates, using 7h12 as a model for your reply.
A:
5h56
